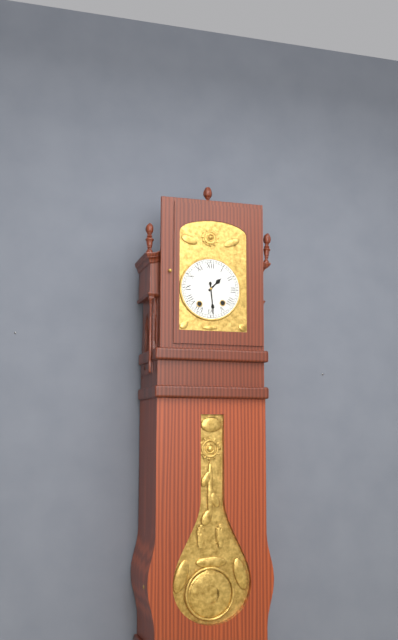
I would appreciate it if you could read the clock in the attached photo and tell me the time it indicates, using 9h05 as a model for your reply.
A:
1h29
